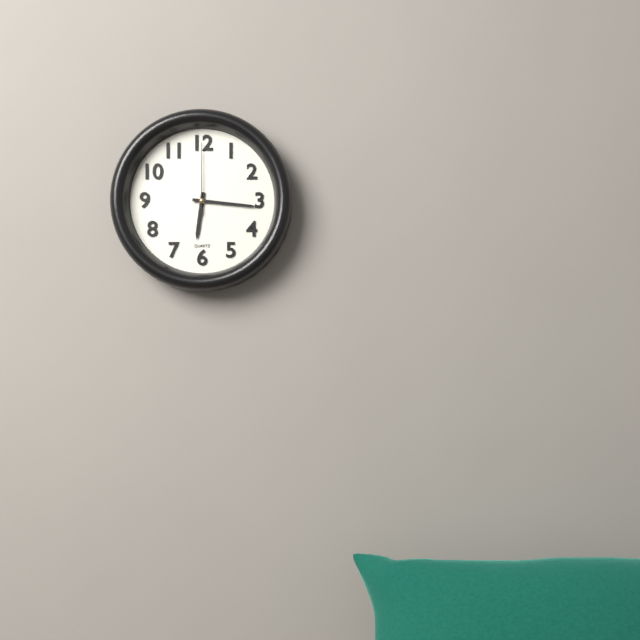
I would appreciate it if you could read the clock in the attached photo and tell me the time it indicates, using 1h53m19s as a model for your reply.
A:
6h16m00s
